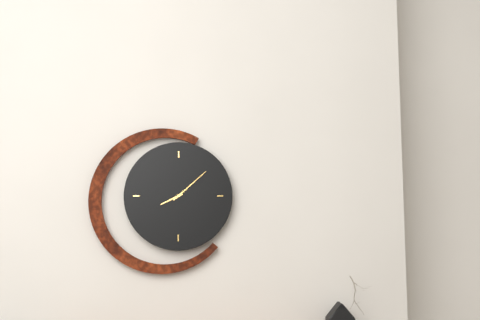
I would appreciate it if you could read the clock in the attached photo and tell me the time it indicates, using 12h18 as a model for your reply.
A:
8h08
